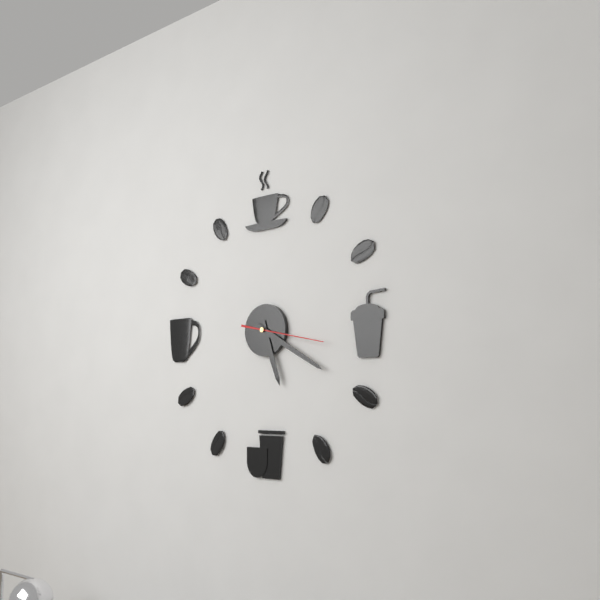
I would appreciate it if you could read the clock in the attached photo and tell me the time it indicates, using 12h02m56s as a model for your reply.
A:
5h20m17s
